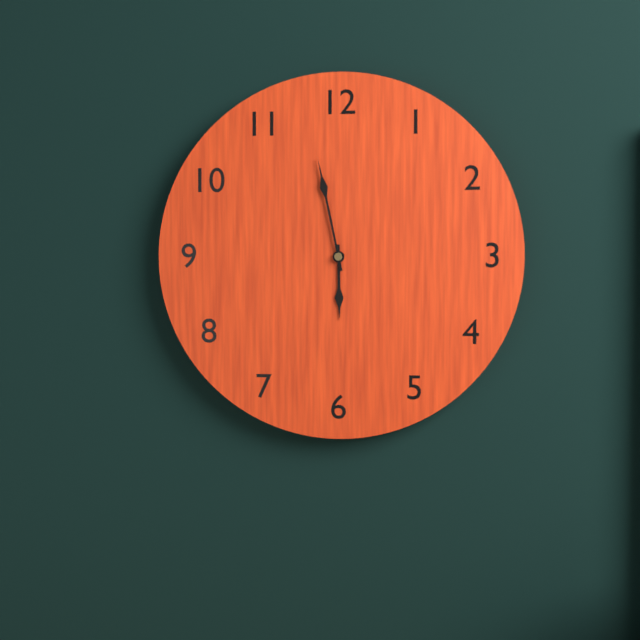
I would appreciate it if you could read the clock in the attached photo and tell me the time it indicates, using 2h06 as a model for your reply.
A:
5h58
